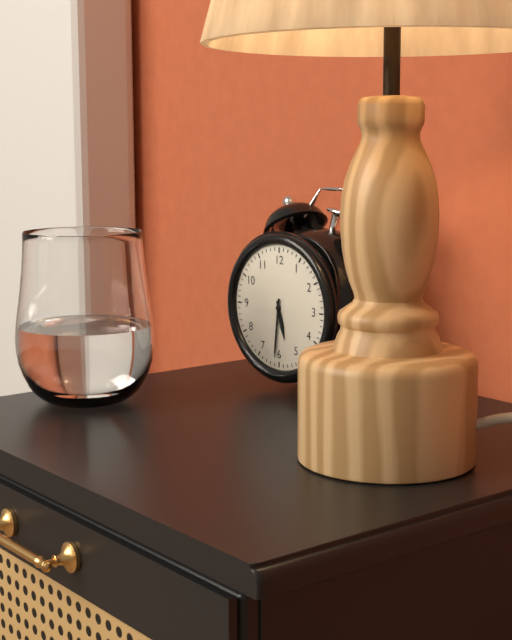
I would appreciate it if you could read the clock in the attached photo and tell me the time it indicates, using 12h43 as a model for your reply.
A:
5h31
